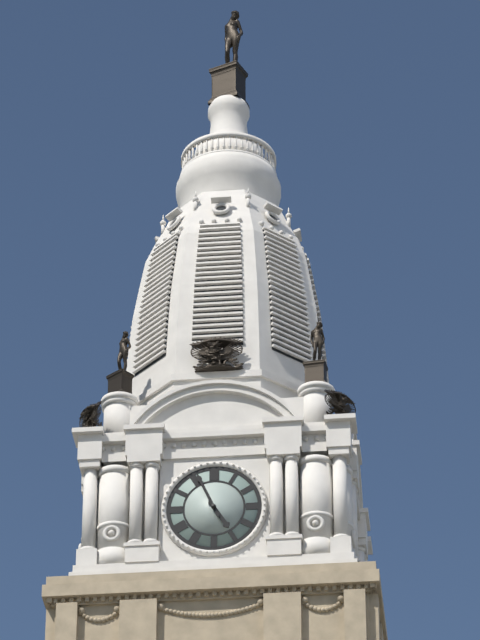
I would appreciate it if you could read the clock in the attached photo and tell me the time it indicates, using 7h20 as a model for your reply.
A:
4h56
